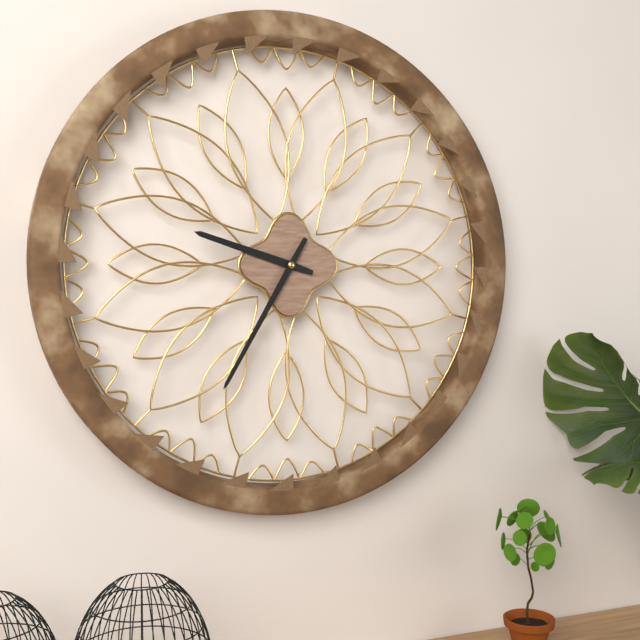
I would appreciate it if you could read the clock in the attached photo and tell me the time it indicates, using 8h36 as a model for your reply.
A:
9h35
